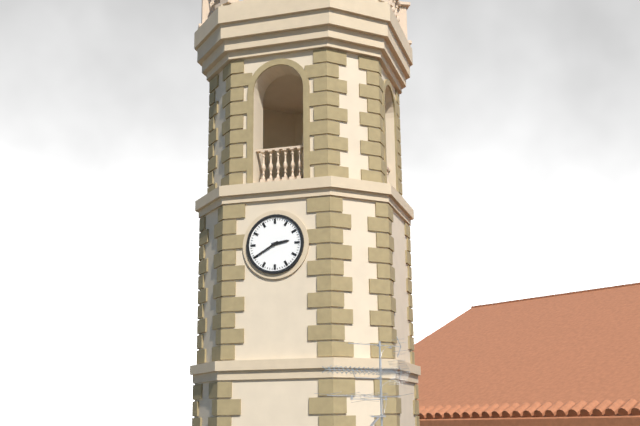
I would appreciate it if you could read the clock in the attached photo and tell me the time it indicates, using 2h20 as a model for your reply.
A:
2h40
